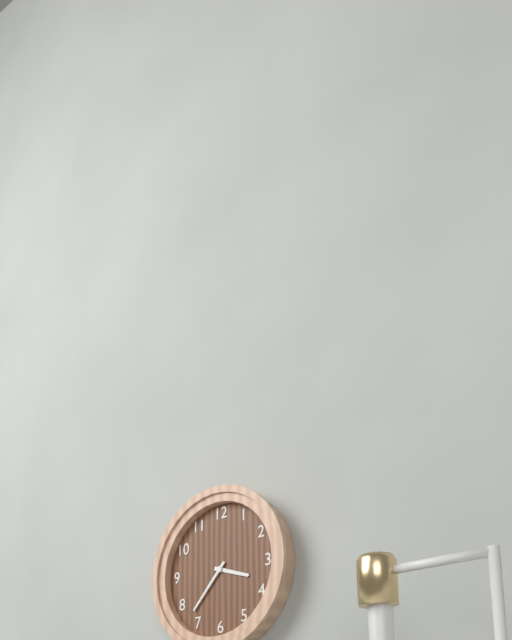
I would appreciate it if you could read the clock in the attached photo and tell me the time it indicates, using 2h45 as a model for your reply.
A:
3h37
